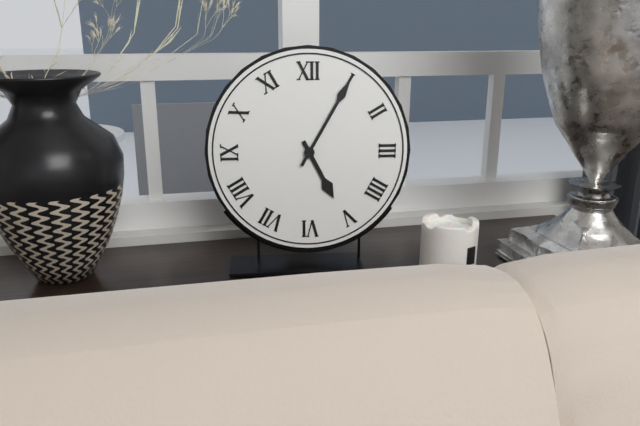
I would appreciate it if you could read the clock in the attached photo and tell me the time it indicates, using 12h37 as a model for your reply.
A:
5h05
